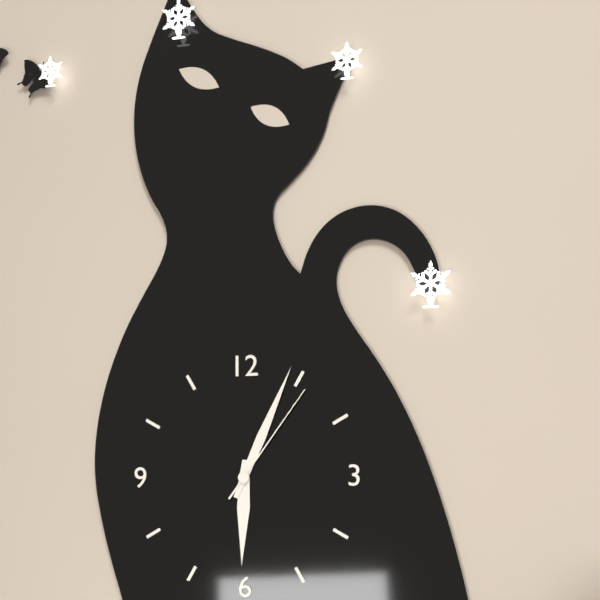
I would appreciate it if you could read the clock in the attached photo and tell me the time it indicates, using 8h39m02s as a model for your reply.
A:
6h04m06s
